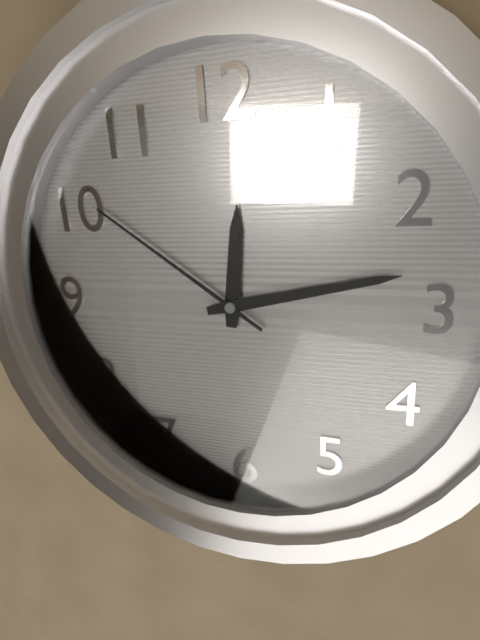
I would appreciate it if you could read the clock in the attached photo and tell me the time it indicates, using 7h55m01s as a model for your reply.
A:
12h13m51s
